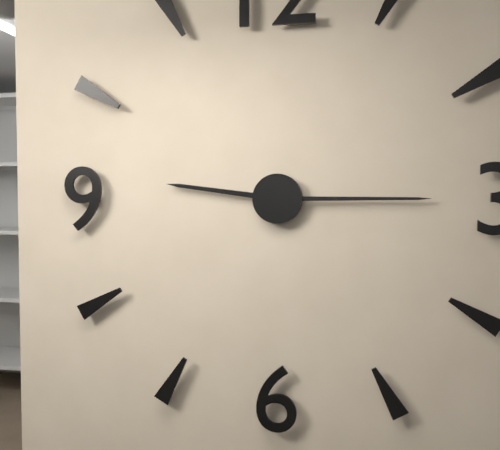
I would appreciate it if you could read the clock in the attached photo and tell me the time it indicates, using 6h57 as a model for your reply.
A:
9h15
